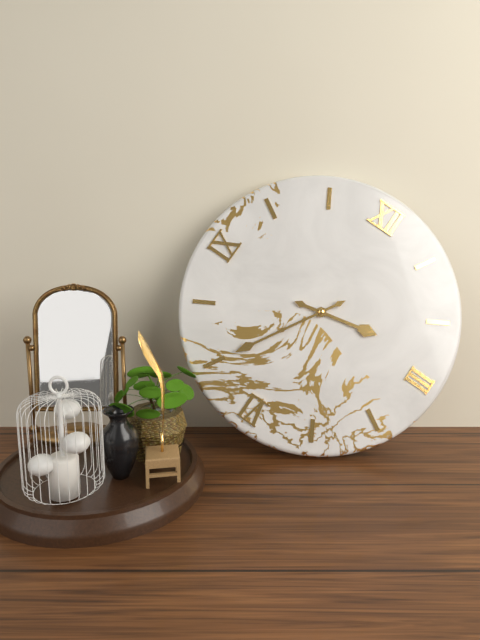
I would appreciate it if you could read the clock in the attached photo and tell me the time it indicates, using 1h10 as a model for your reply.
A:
2h35
